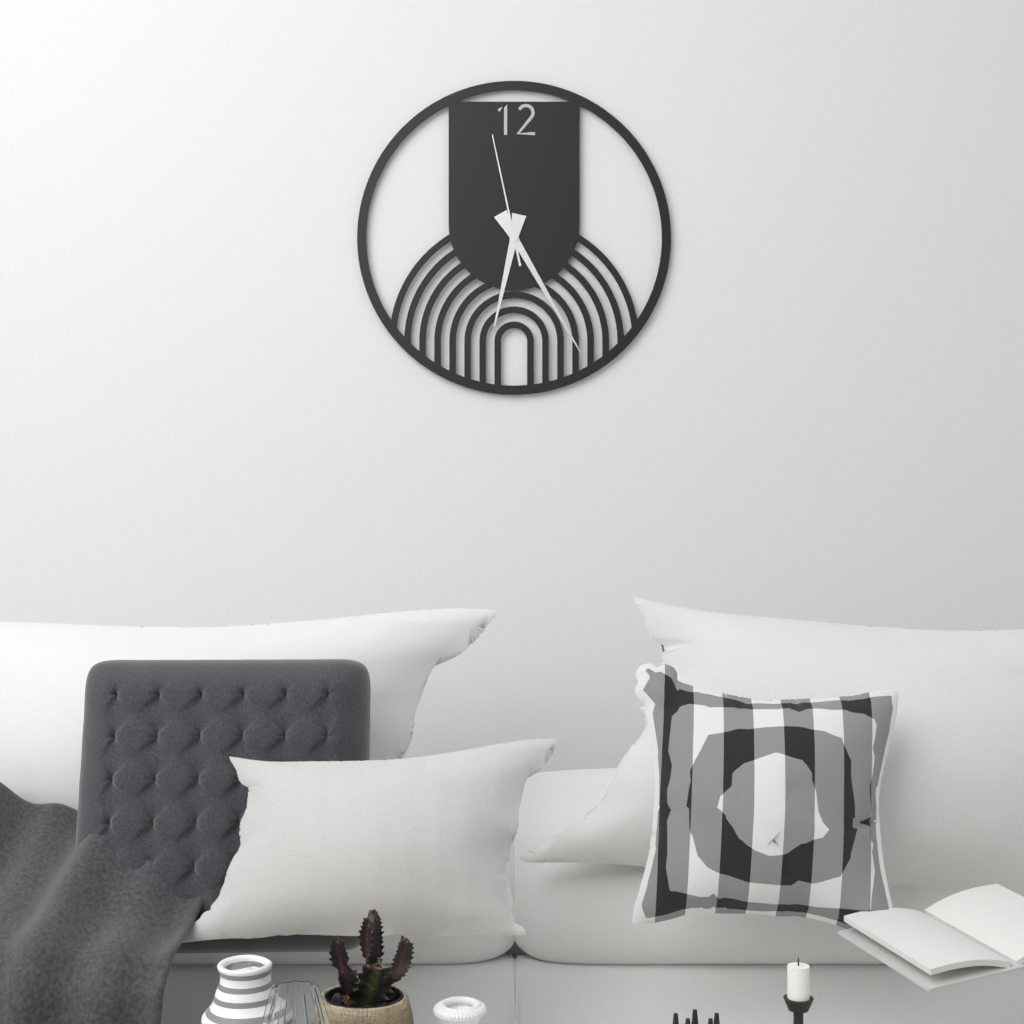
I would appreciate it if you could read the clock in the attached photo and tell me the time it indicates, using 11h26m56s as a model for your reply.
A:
6h25m58s
